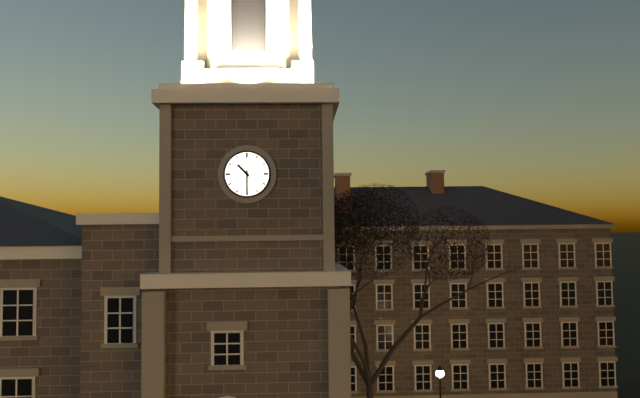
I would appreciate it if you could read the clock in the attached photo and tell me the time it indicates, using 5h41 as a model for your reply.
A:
10h30
